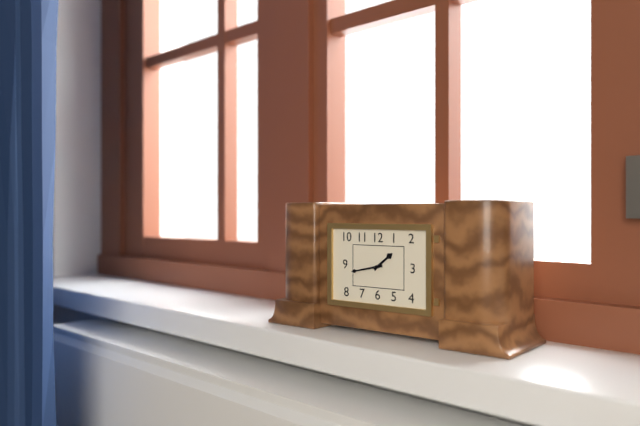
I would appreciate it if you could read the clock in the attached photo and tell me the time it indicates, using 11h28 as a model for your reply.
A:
1h43
